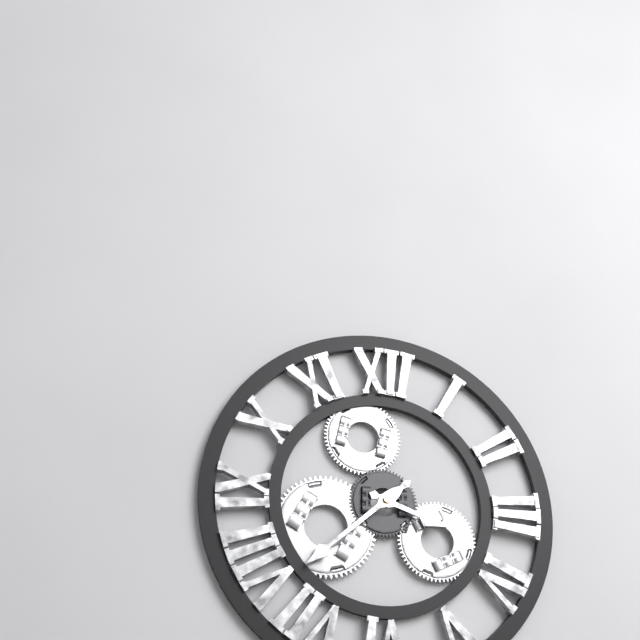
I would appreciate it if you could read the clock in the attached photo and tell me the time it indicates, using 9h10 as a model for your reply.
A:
3h38
